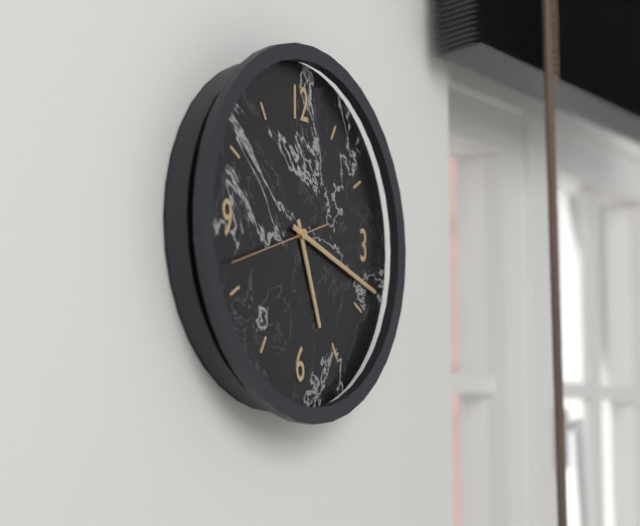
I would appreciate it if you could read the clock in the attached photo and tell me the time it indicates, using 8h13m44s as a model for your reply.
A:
5h18m42s
